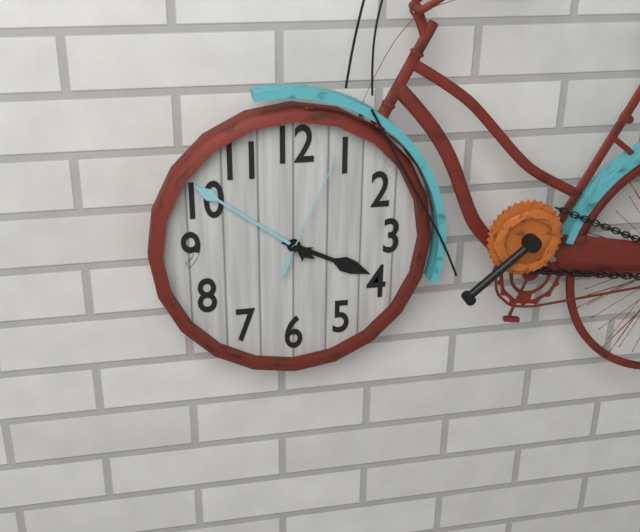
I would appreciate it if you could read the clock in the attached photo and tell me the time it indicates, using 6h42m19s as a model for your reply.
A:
3h51m04s
